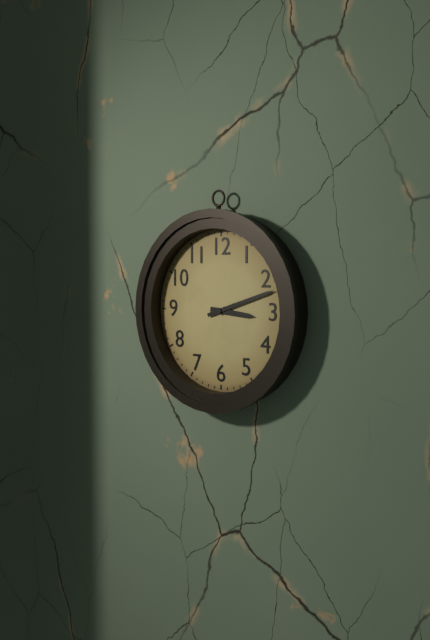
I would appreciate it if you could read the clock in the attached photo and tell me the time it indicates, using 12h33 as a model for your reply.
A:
3h12
